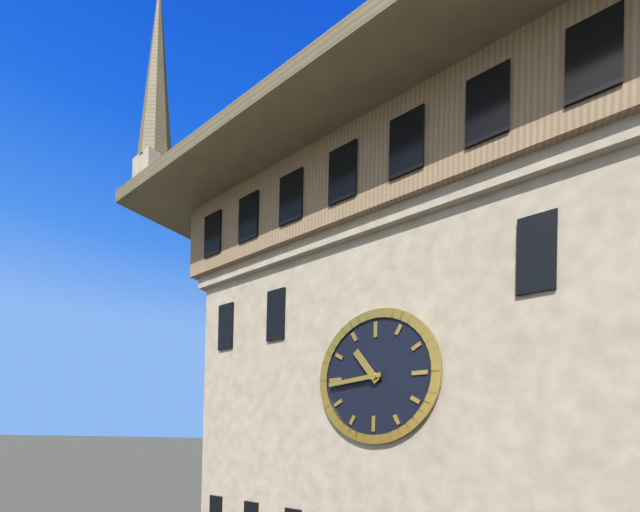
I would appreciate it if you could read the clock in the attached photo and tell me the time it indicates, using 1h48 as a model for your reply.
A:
10h44
